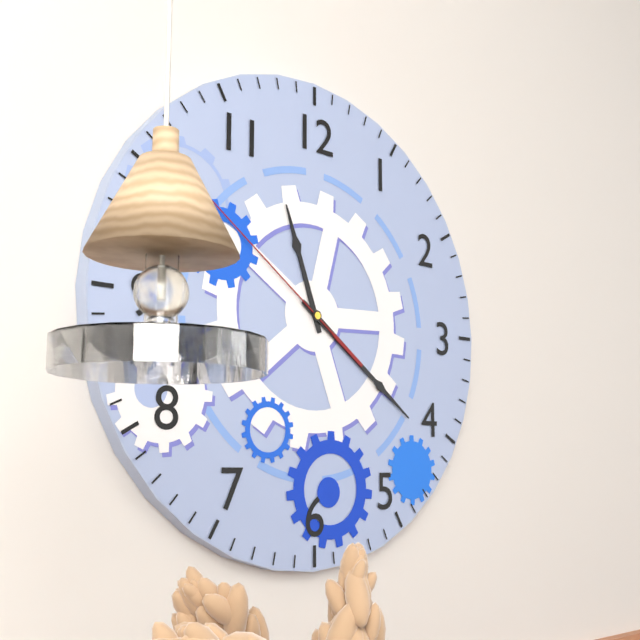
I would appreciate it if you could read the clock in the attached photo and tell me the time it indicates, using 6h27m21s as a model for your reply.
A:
11h21m51s
